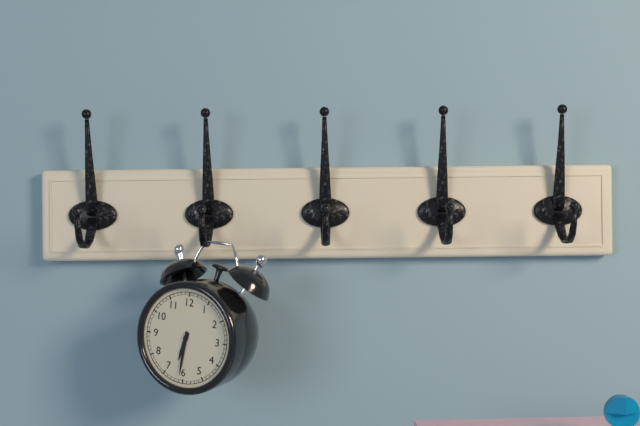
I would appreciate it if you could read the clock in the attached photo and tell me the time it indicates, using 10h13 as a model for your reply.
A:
6h31
